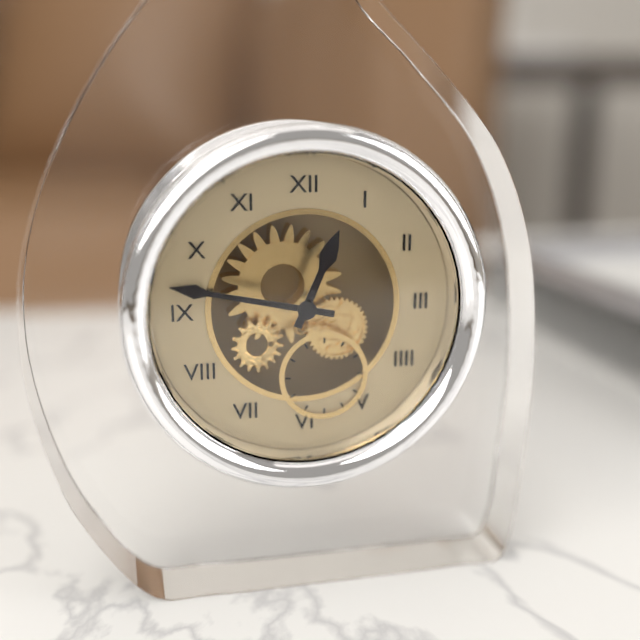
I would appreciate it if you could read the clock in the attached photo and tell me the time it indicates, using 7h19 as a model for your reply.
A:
12h47
